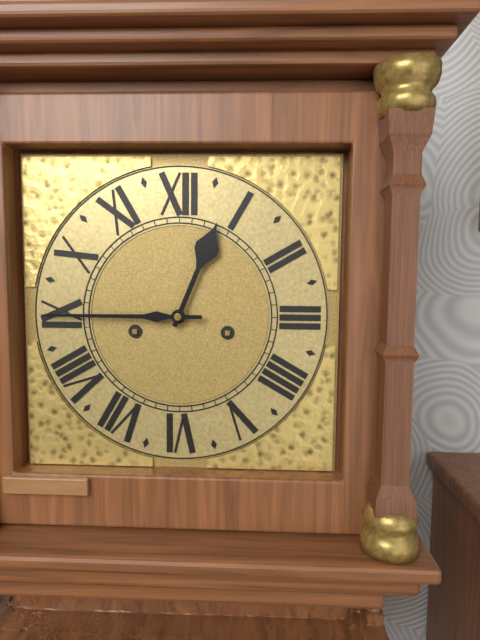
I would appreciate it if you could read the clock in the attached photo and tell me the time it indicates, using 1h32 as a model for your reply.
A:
12h45
